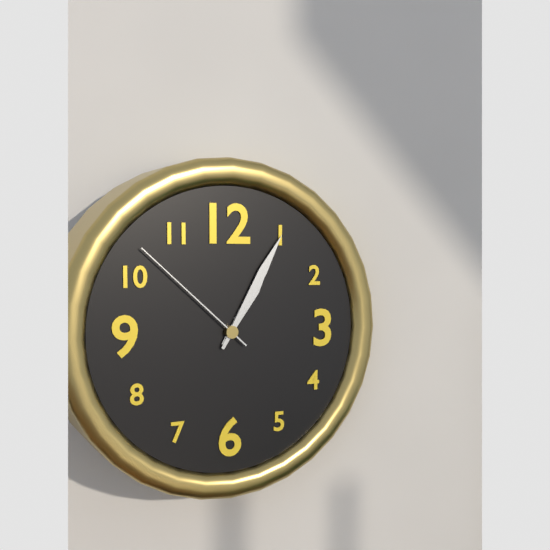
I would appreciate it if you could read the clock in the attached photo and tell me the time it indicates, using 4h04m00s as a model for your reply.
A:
1h05m52s
